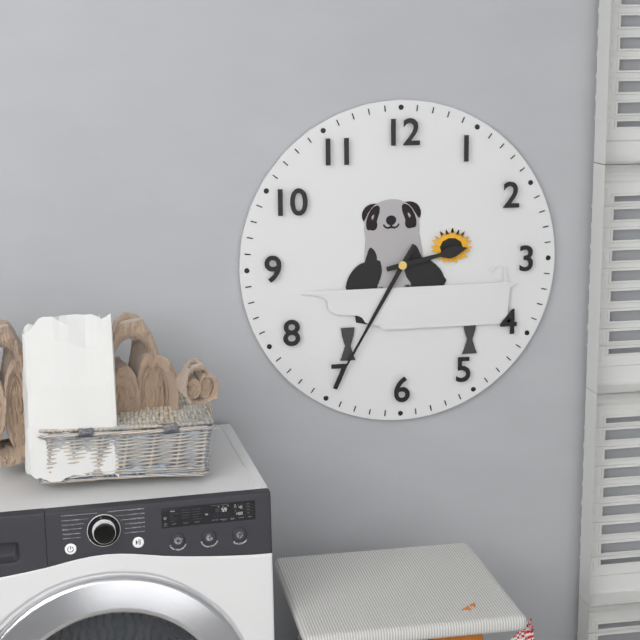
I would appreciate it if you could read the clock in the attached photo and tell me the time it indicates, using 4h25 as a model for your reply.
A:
2h35
